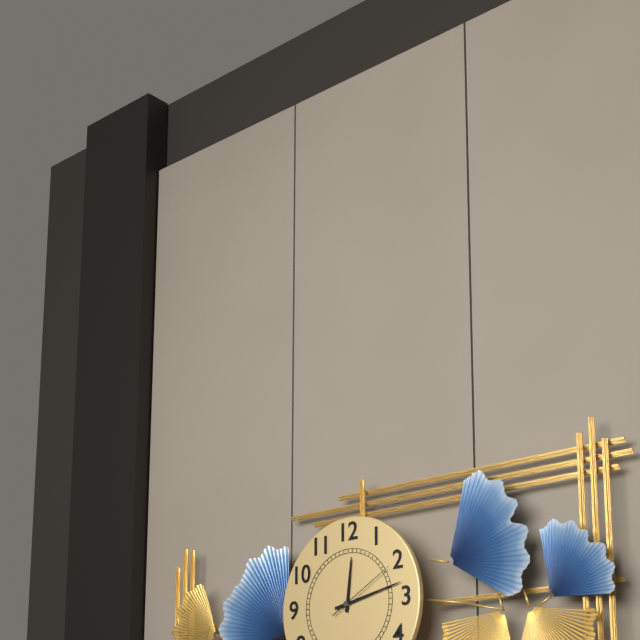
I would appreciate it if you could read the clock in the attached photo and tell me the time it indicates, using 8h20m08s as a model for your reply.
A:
12h13m10s
